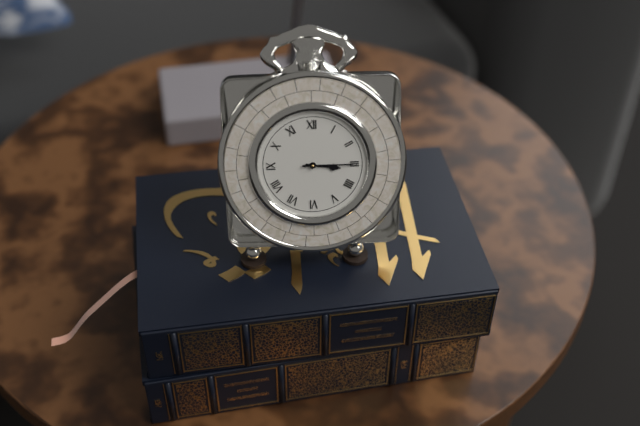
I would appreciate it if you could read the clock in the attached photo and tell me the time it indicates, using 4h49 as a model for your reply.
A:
3h15
